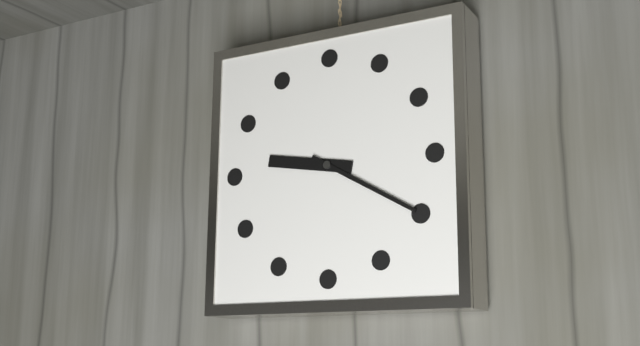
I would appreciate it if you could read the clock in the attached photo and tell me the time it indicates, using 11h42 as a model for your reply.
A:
9h20
